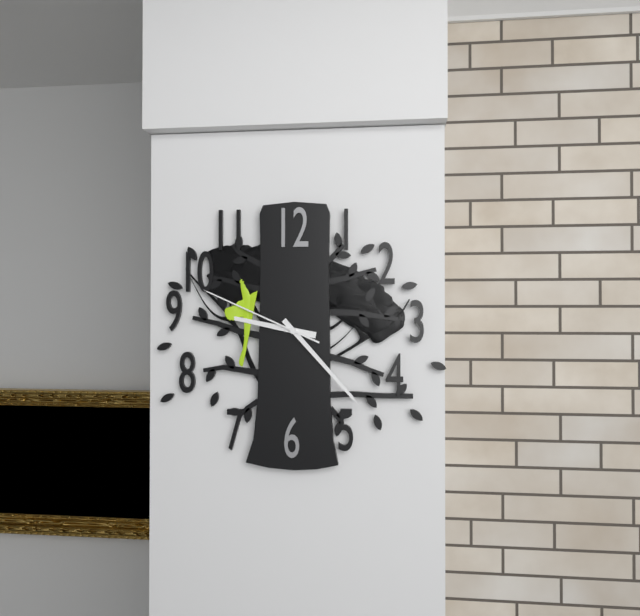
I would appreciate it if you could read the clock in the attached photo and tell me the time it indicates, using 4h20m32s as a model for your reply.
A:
9h23m49s
